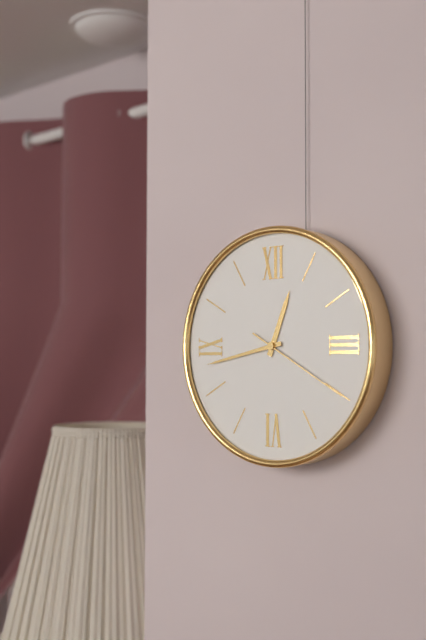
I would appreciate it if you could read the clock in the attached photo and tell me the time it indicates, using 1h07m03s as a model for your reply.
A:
12h43m20s
